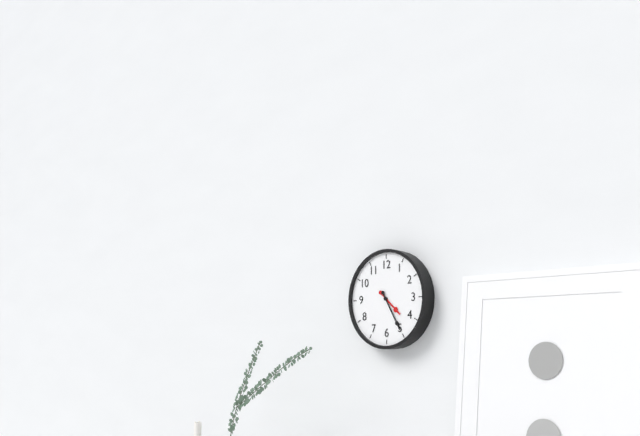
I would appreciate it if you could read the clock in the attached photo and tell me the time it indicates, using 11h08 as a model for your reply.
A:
4h25
